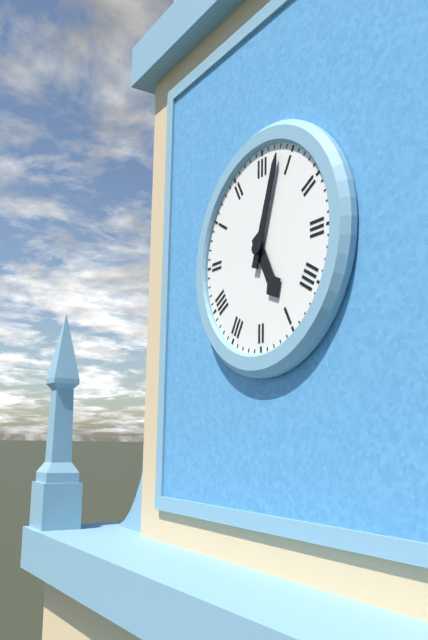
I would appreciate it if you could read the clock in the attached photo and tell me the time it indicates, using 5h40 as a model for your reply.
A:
5h03
